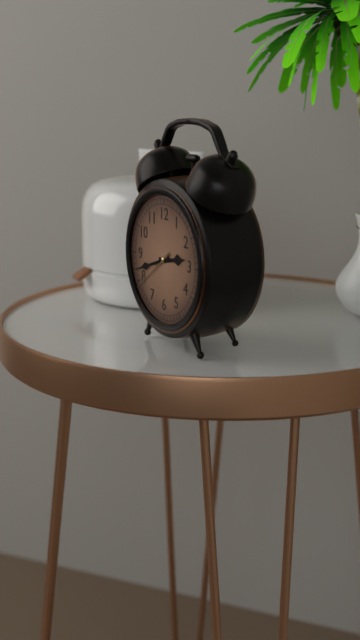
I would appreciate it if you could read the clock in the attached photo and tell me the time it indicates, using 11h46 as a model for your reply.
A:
2h42
